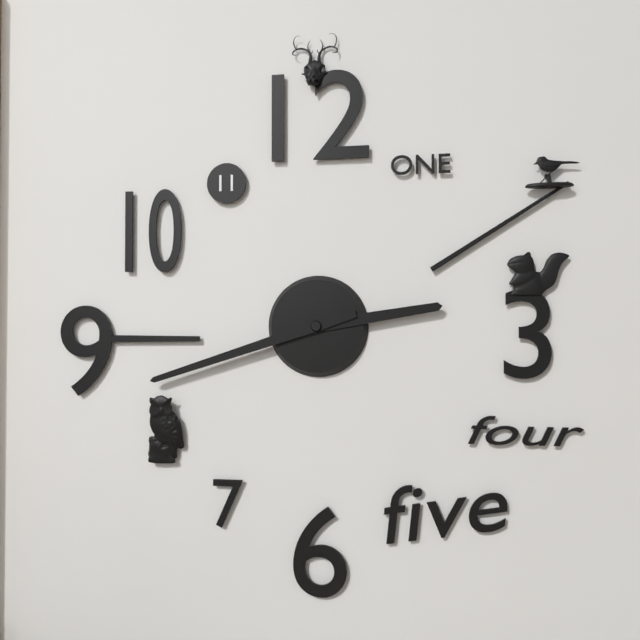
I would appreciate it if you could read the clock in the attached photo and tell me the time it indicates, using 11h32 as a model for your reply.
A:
2h42
